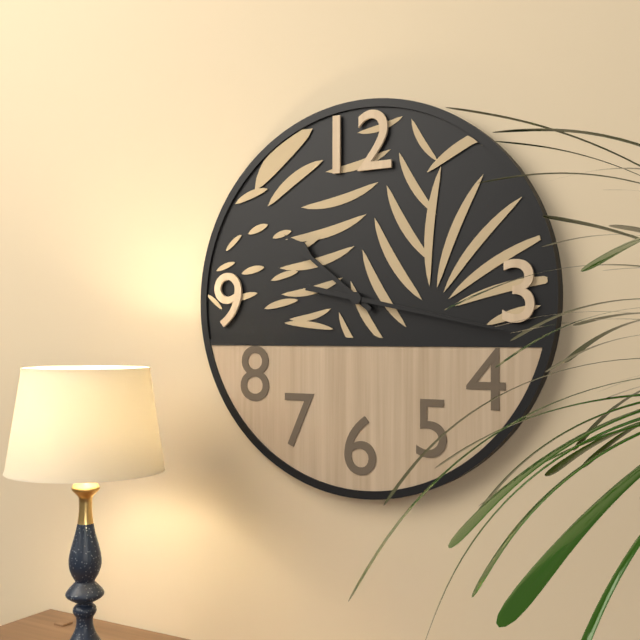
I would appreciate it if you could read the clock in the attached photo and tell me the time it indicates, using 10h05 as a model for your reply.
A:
10h17
